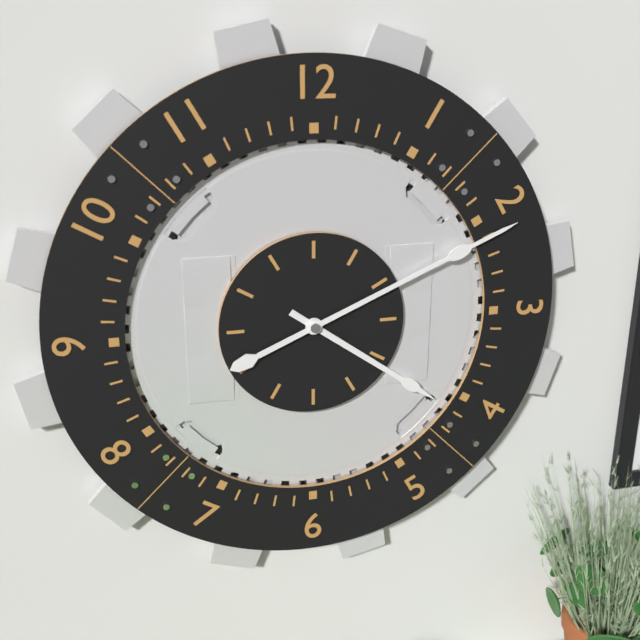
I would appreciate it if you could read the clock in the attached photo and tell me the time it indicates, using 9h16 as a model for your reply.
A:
4h11
